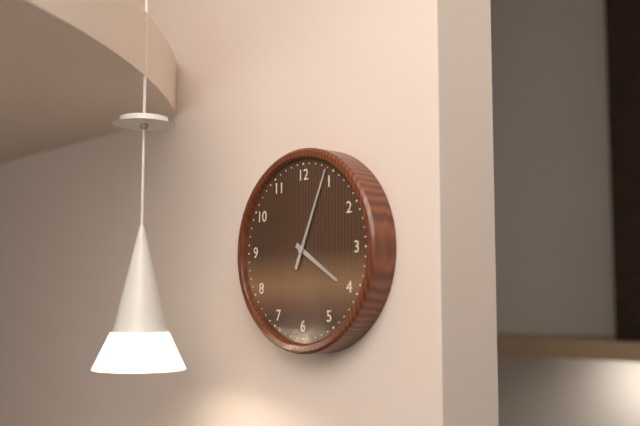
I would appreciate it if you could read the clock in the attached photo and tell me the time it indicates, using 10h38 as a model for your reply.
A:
4h04
